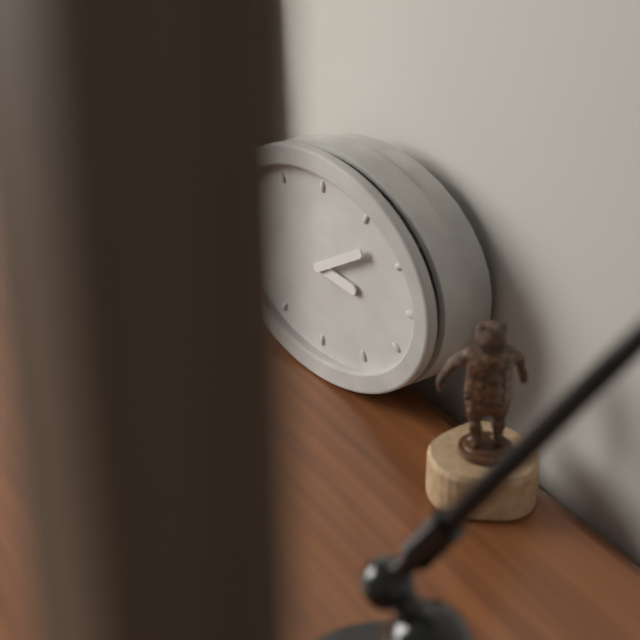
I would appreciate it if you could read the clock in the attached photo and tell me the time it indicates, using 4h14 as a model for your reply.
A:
3h10
